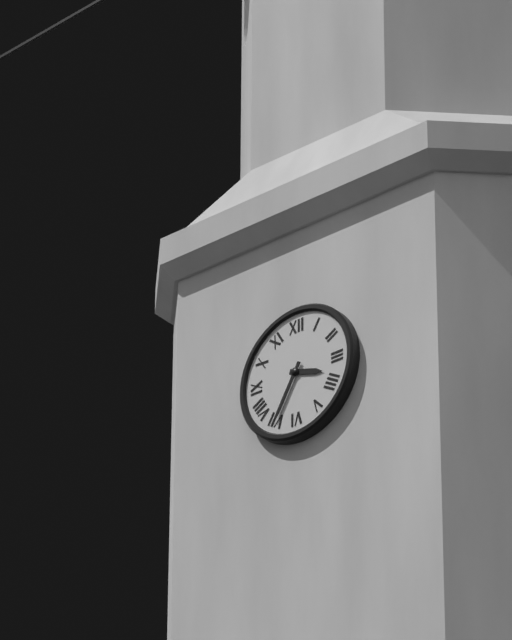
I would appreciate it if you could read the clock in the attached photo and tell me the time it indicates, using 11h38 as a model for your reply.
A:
3h35
